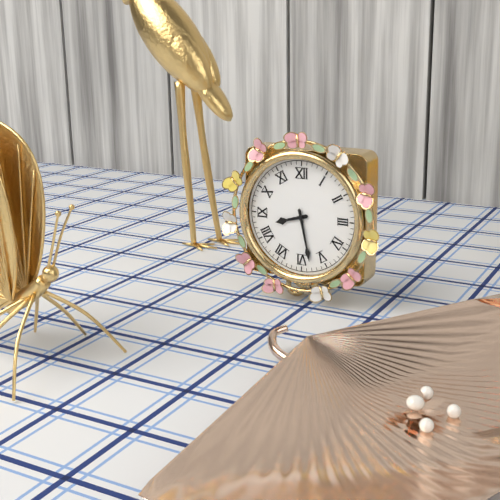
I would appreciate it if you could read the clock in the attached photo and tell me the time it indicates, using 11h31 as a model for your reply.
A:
8h28
